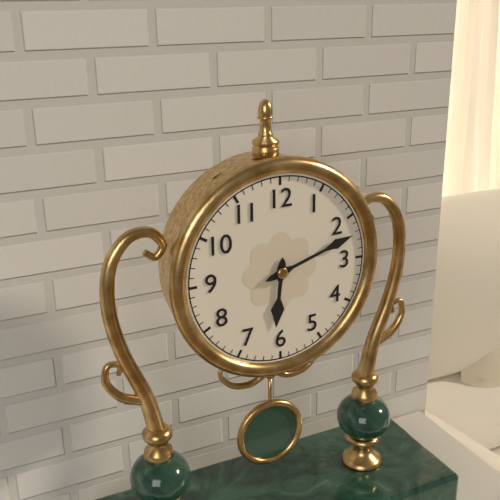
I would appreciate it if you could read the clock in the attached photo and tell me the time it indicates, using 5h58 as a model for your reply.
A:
6h12
